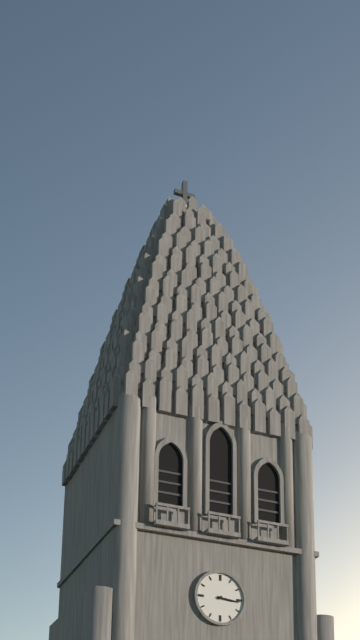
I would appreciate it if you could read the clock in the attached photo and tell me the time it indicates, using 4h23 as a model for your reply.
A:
3h16
